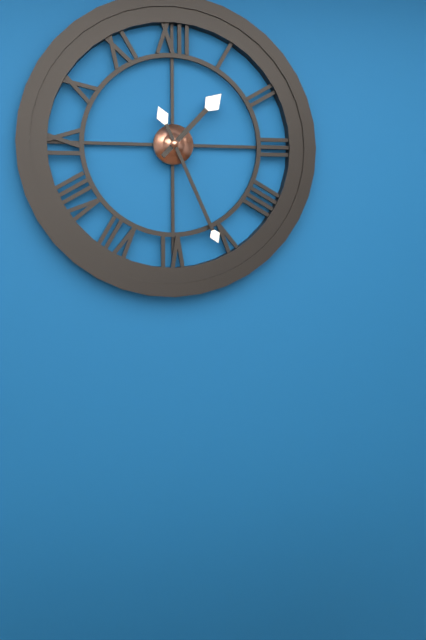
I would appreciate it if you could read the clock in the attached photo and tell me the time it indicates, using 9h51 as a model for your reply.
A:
1h26
